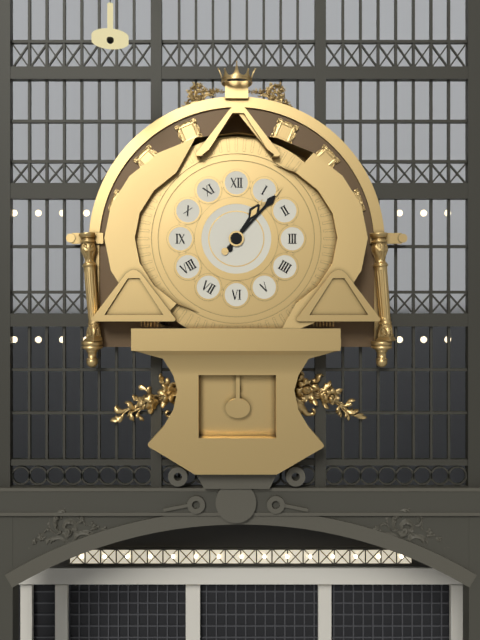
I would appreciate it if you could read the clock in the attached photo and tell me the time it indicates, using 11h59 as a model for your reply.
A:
1h07
